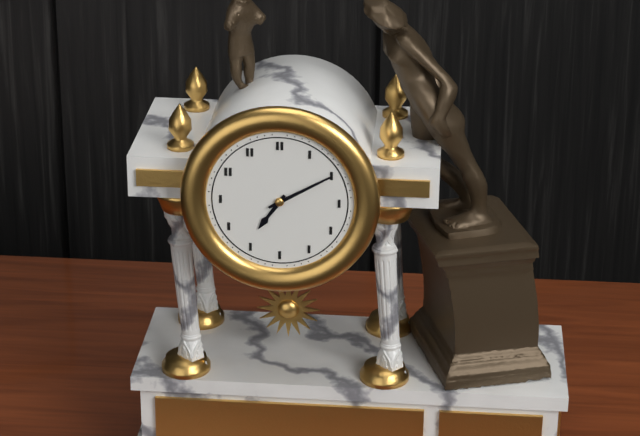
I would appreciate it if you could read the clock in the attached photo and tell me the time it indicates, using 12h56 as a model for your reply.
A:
7h10
